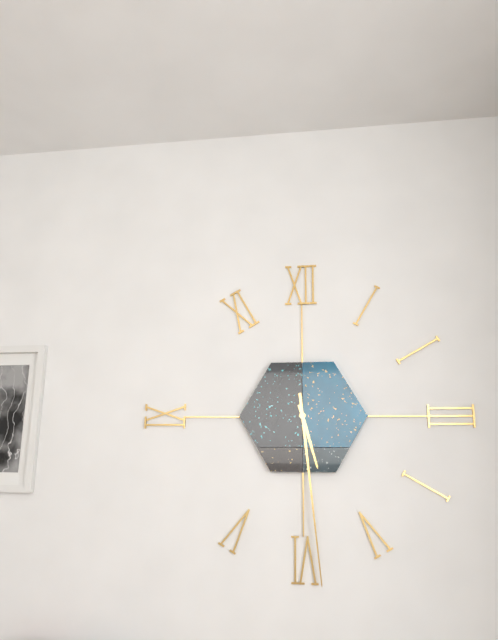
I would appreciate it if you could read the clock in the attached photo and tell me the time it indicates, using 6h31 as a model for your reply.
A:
5h29
